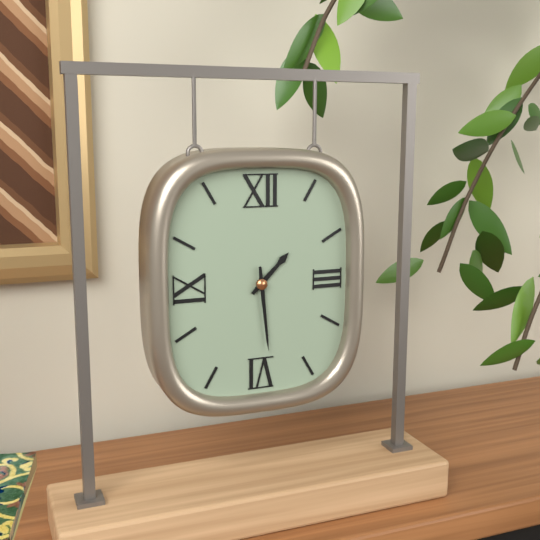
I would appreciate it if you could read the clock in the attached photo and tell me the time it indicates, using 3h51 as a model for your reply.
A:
1h29
